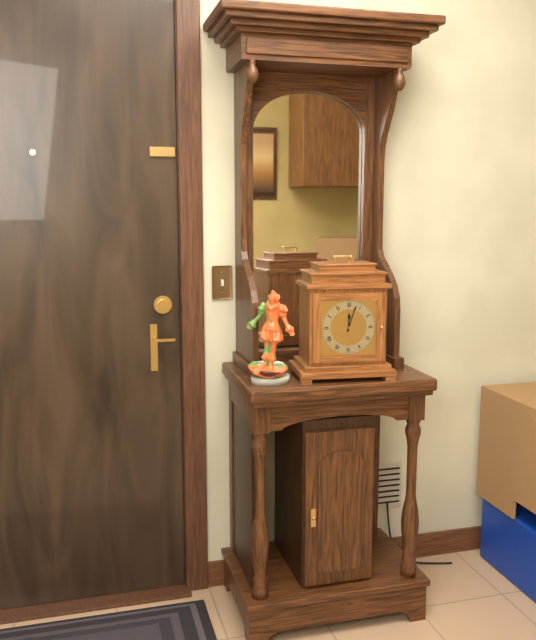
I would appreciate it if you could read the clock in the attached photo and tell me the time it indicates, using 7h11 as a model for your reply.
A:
12h03
